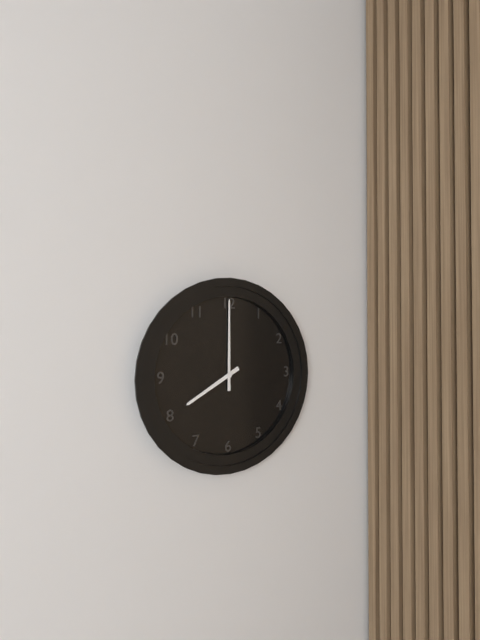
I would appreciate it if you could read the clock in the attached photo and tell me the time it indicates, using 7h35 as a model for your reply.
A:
8h00
